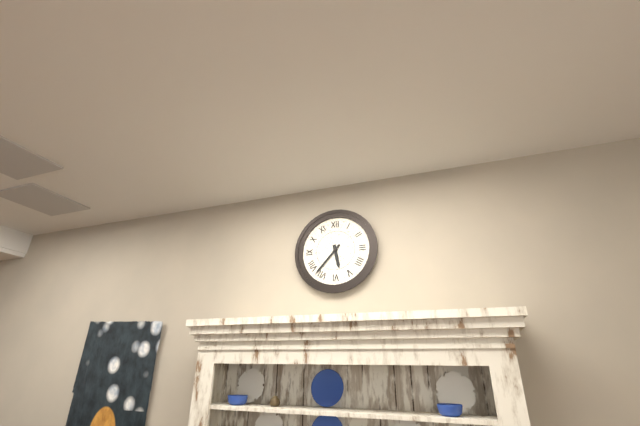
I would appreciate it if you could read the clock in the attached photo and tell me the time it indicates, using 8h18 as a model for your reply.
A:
5h37
